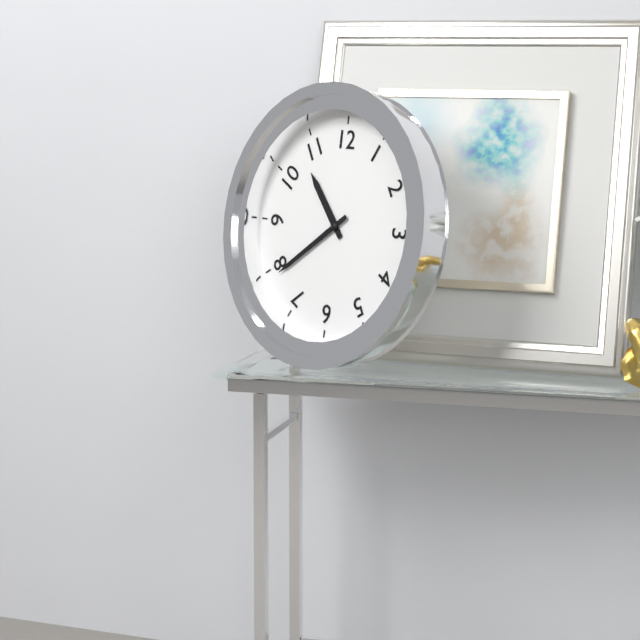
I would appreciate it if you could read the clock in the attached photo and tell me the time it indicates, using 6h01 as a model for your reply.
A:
10h39
